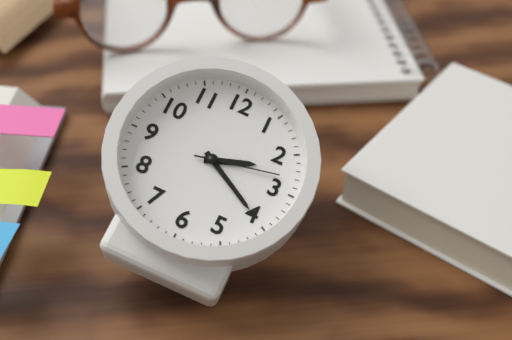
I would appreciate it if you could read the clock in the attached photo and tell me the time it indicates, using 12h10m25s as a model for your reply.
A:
2h20m13s
